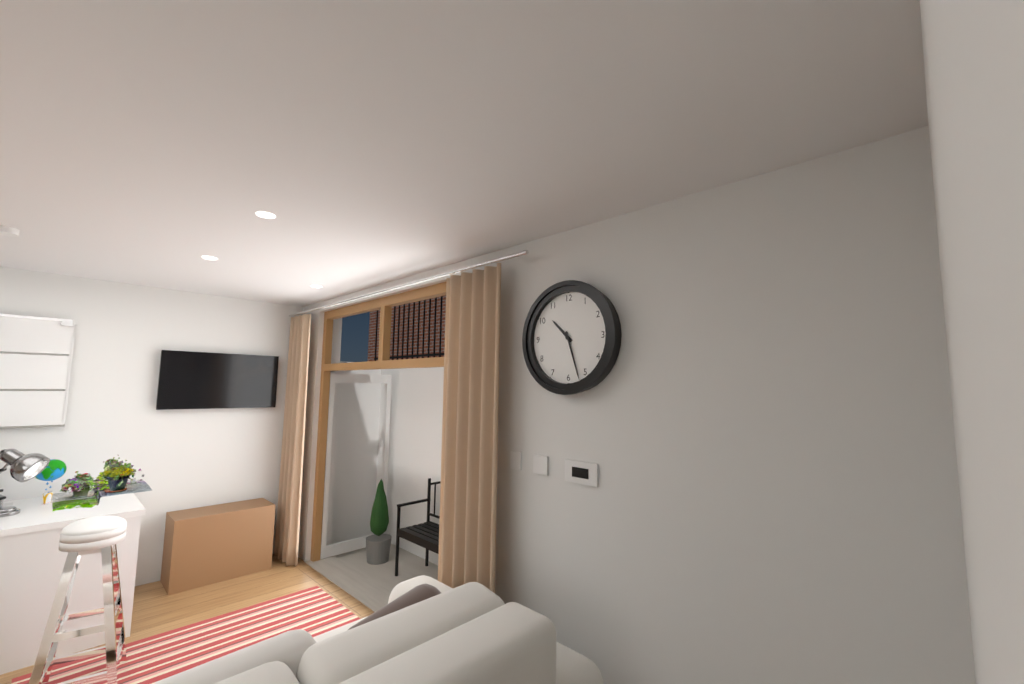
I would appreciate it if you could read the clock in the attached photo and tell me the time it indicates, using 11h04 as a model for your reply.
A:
10h27
